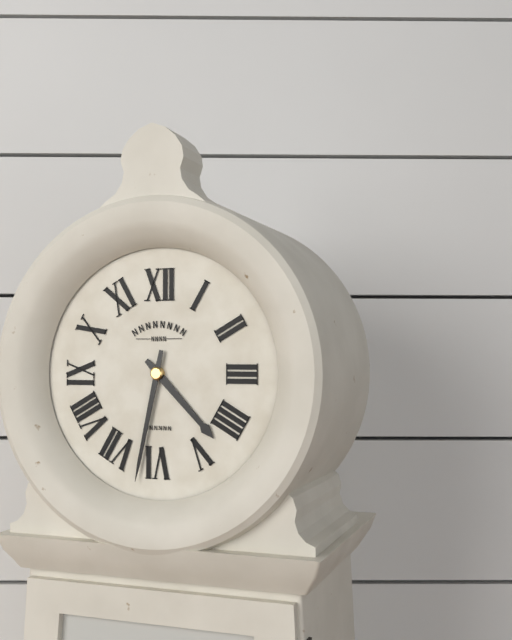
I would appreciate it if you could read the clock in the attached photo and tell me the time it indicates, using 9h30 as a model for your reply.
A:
4h32
